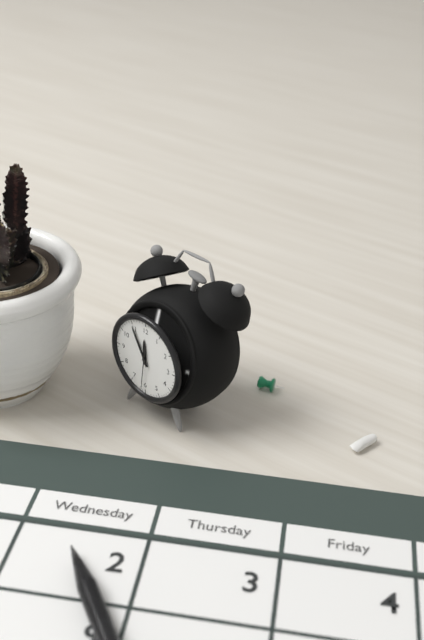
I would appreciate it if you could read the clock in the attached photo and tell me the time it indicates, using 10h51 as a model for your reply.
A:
11h55
